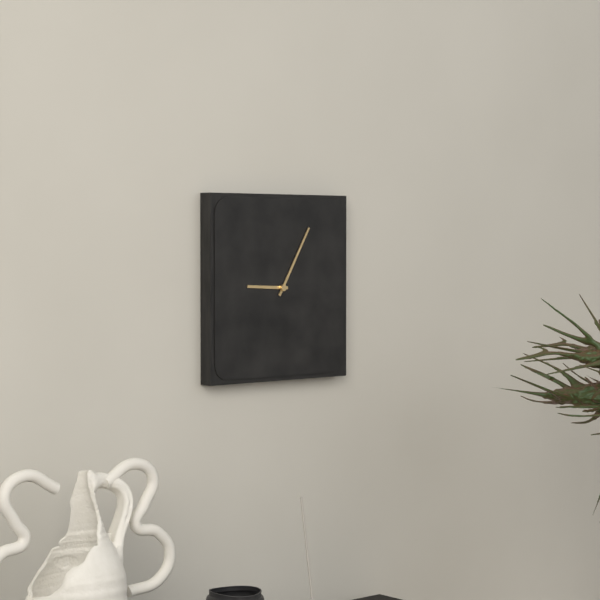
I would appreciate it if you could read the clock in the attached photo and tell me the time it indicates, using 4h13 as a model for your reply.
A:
9h05
